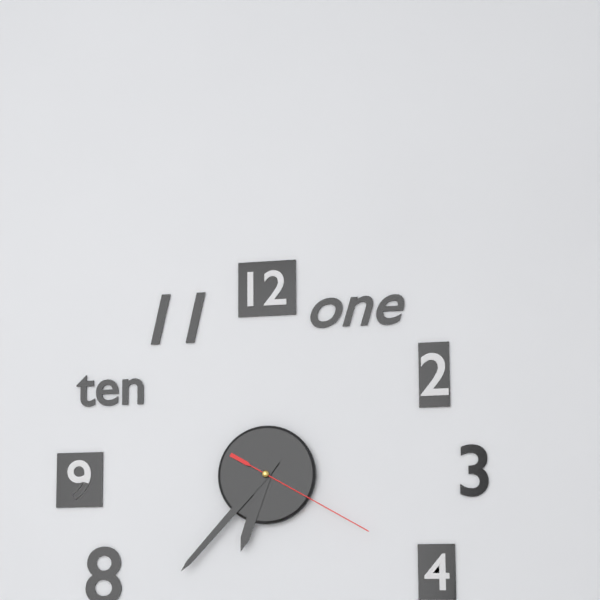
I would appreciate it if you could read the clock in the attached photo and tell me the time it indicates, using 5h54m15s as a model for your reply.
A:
6h37m20s
